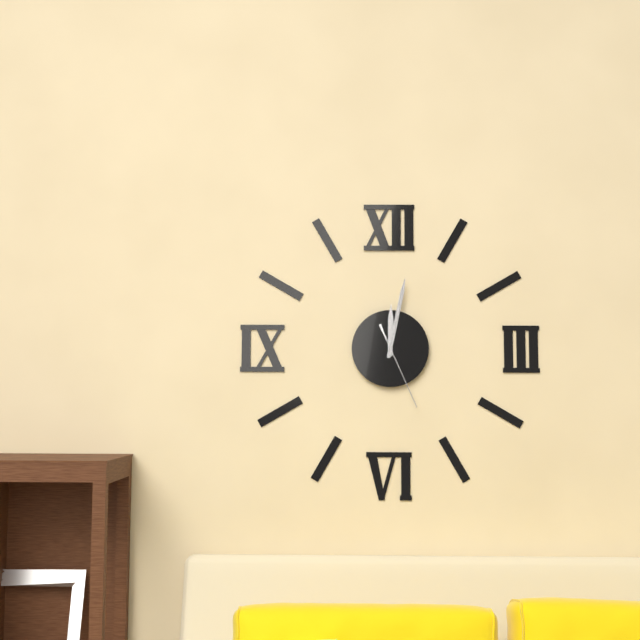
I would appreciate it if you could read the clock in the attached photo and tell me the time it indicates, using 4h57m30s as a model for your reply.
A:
12h02m26s
